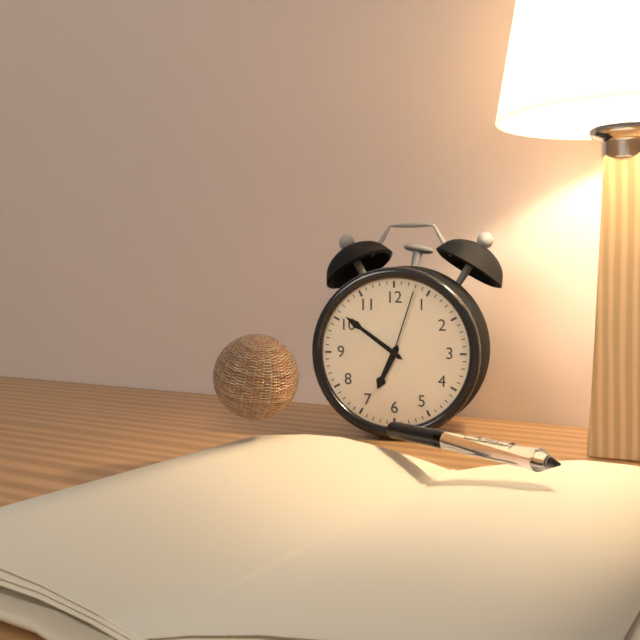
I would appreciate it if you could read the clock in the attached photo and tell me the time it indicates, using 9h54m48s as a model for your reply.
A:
6h51m03s
